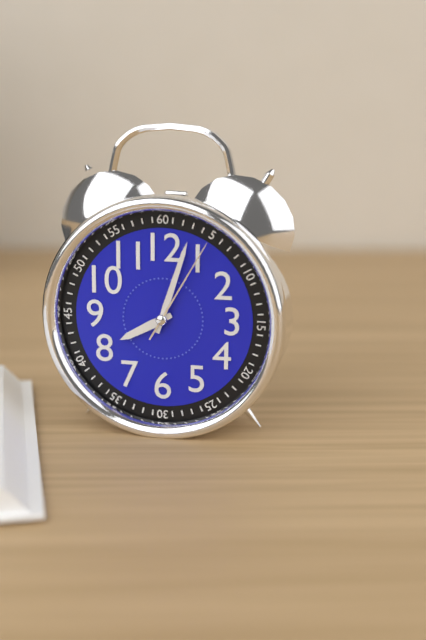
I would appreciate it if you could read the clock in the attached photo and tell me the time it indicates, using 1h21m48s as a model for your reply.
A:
8h03m05s
